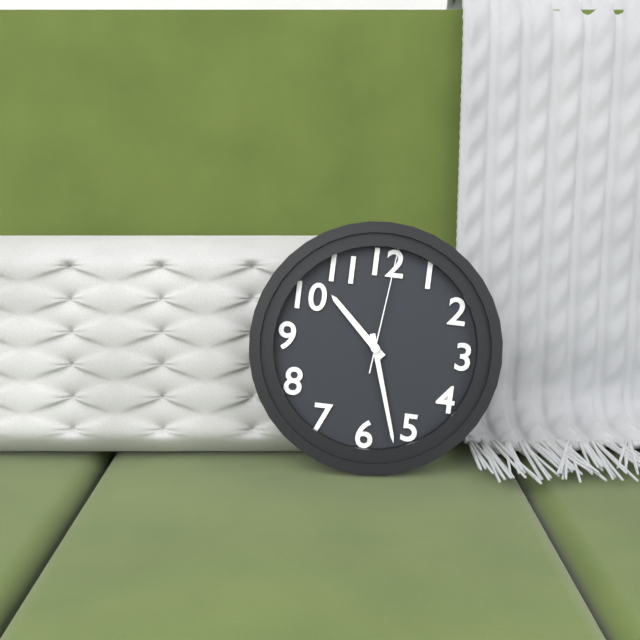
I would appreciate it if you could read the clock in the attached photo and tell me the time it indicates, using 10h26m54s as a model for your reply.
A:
10h27m01s
